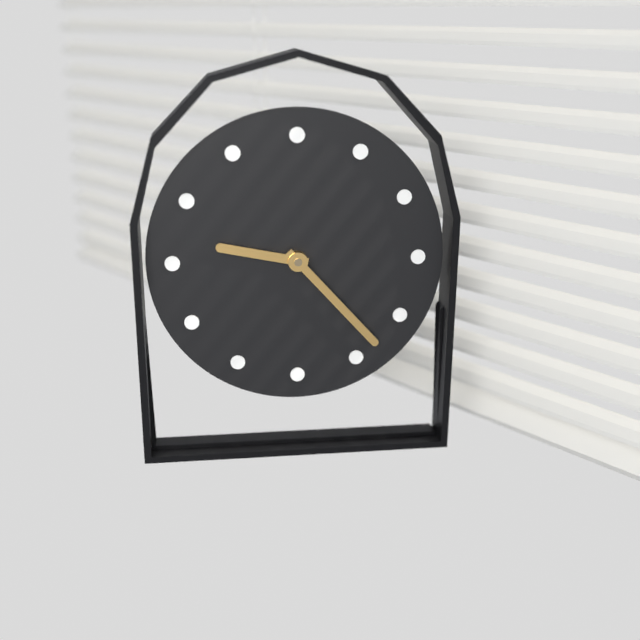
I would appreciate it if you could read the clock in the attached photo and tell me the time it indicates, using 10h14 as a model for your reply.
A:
9h23
